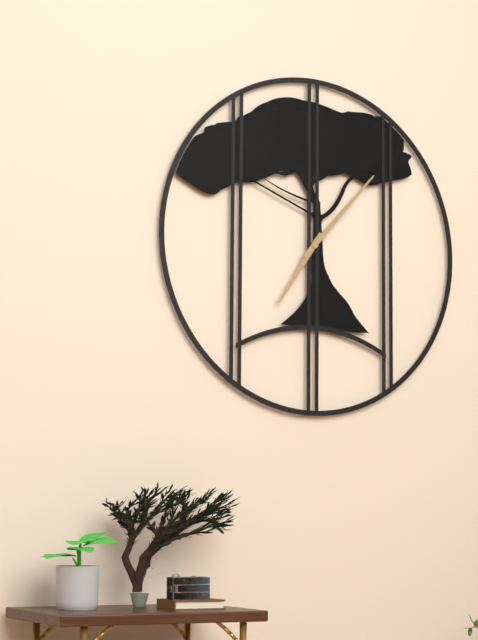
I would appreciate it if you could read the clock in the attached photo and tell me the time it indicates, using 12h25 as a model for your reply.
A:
7h07
